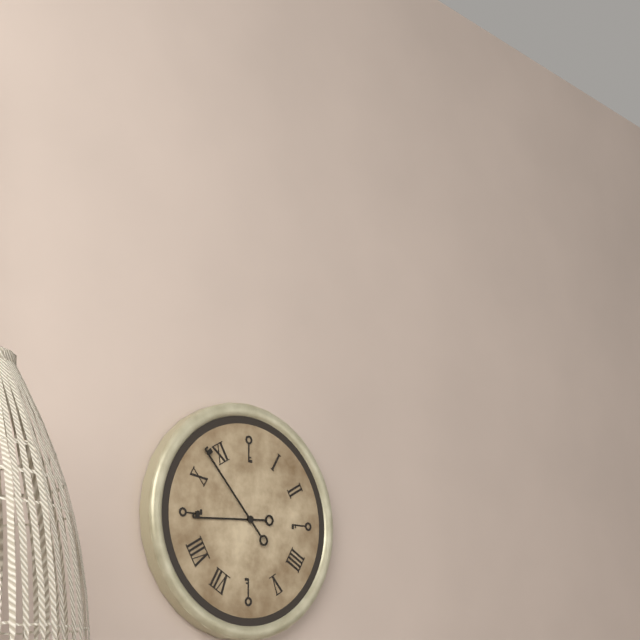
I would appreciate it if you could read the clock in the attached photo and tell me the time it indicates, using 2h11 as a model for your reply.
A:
8h53
